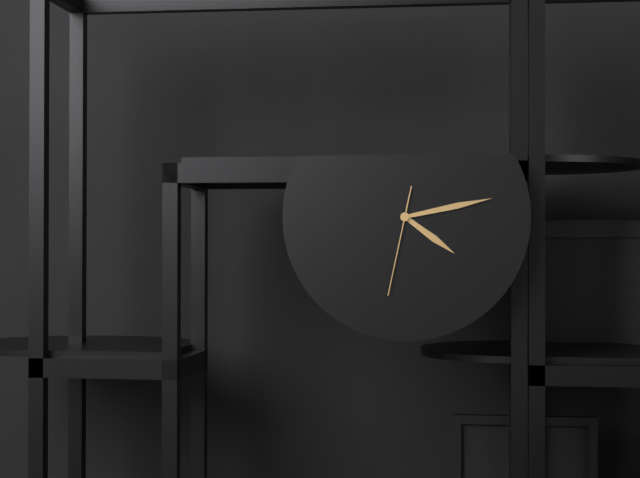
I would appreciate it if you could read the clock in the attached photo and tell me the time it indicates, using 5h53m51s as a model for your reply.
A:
4h13m32s
